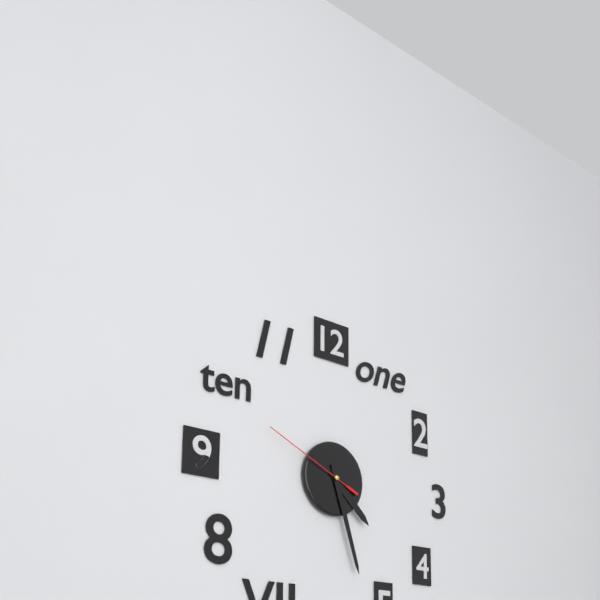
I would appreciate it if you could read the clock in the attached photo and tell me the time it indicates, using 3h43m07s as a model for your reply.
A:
4h27m49s
